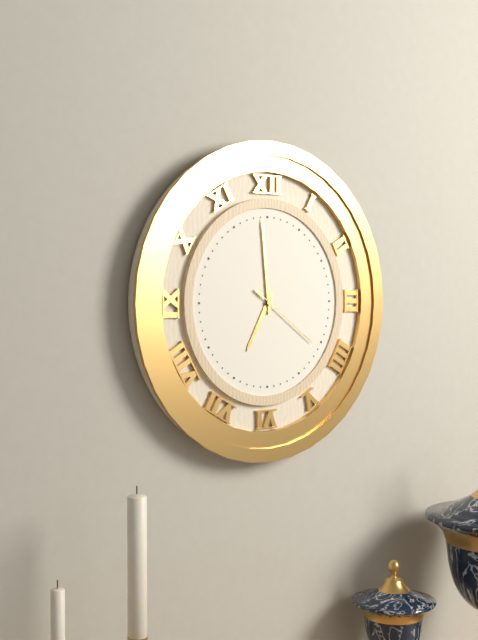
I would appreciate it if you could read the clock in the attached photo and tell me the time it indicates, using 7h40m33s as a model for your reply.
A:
6h59m21s
